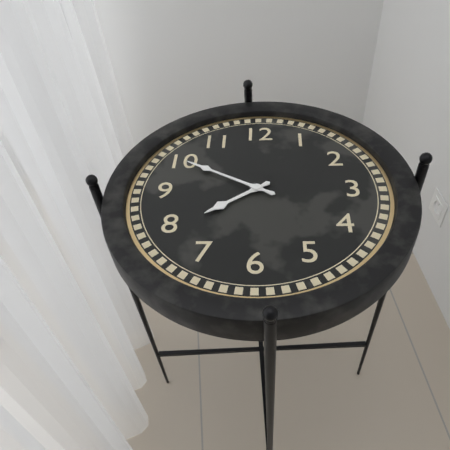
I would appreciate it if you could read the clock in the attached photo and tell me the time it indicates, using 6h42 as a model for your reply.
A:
7h50
